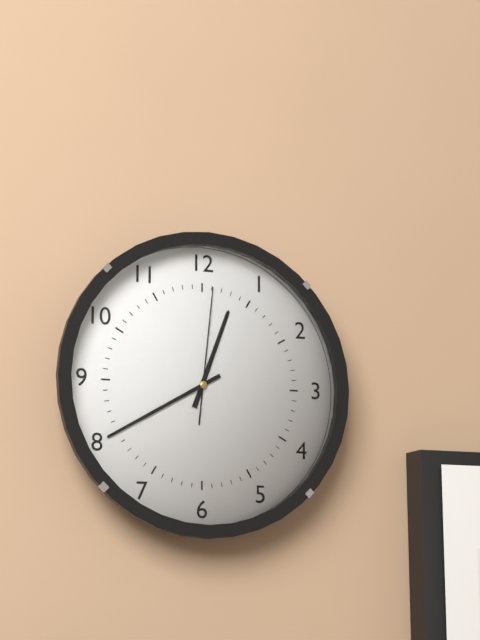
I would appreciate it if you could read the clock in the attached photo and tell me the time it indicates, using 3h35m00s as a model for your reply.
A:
12h40m01s
